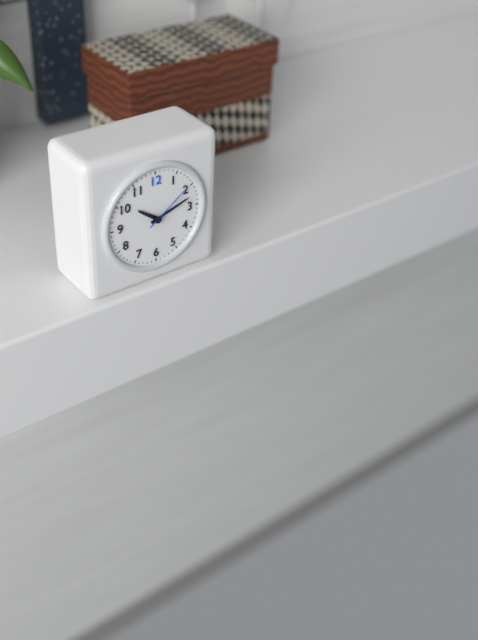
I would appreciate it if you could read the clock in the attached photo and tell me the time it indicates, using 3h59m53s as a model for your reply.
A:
10h12m09s
